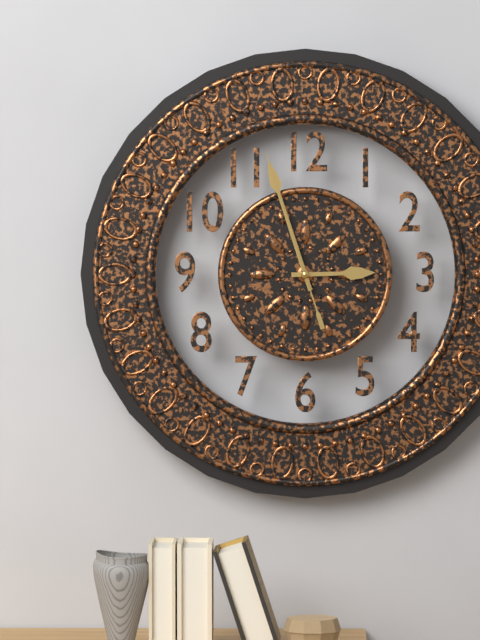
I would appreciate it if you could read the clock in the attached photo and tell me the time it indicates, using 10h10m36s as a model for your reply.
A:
2h57m57s
